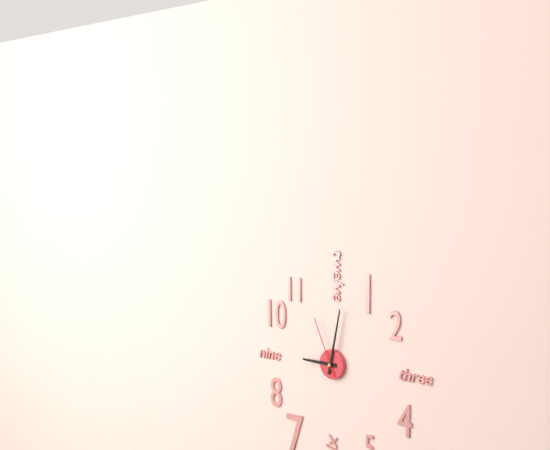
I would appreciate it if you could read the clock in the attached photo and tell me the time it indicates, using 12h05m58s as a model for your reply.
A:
9h02m56s
